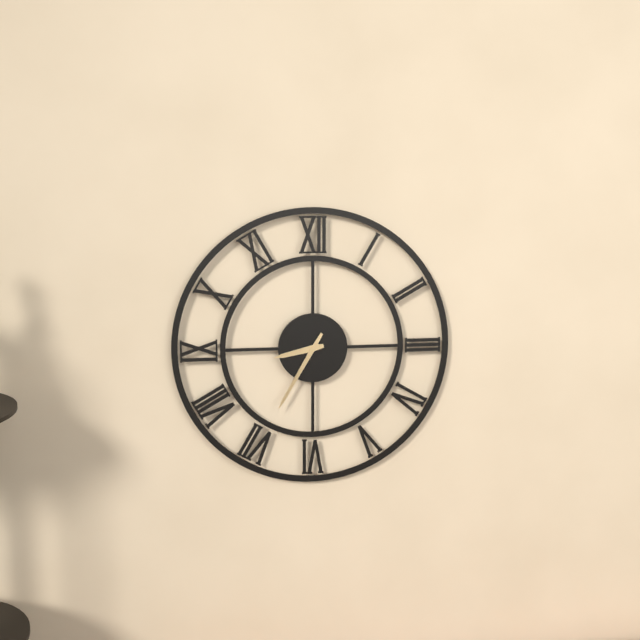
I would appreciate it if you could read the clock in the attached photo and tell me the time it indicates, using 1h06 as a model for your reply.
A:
8h35
